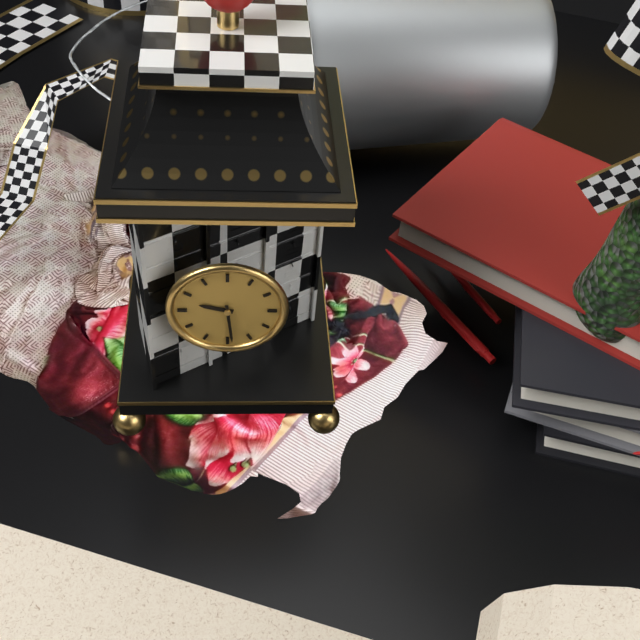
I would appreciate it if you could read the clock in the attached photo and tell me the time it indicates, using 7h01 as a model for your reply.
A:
9h29
